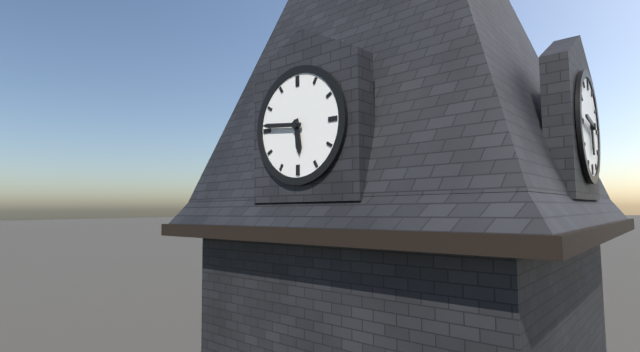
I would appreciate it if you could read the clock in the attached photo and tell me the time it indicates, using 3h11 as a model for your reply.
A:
5h46
